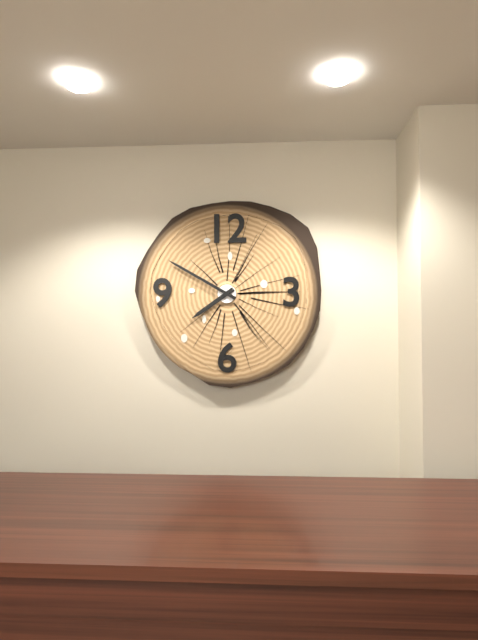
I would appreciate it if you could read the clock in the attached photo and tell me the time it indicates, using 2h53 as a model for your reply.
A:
7h50
